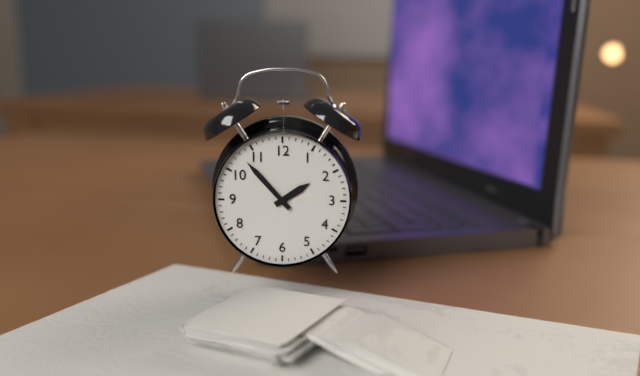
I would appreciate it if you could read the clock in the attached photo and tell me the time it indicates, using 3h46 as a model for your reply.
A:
1h53
